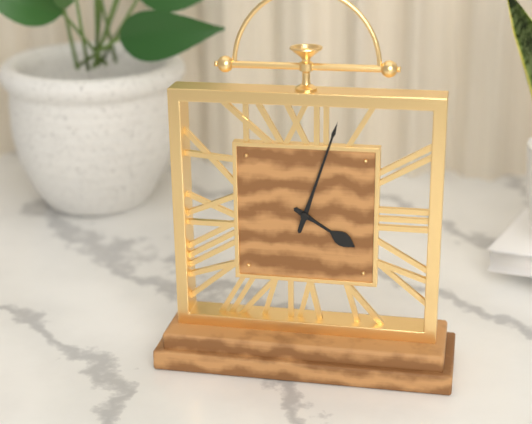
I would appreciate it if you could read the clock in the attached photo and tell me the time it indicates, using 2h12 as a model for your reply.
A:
4h03
